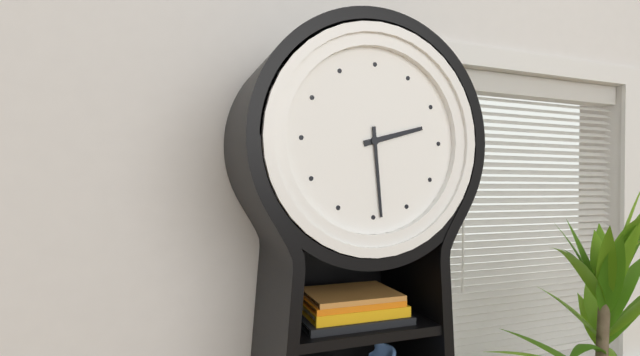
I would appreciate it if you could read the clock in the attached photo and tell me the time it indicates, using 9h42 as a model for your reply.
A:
2h29
